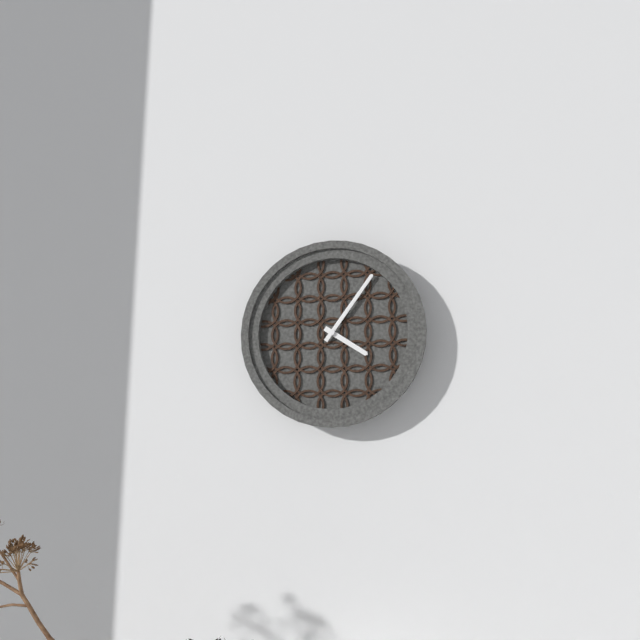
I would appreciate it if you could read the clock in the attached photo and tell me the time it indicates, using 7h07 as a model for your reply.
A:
4h06
